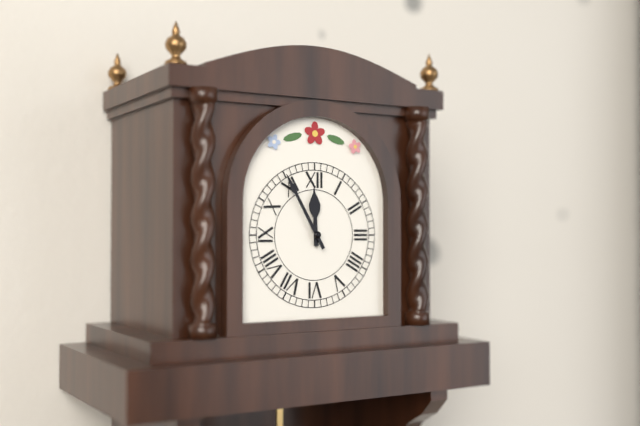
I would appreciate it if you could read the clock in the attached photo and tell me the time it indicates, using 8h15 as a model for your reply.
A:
11h55
